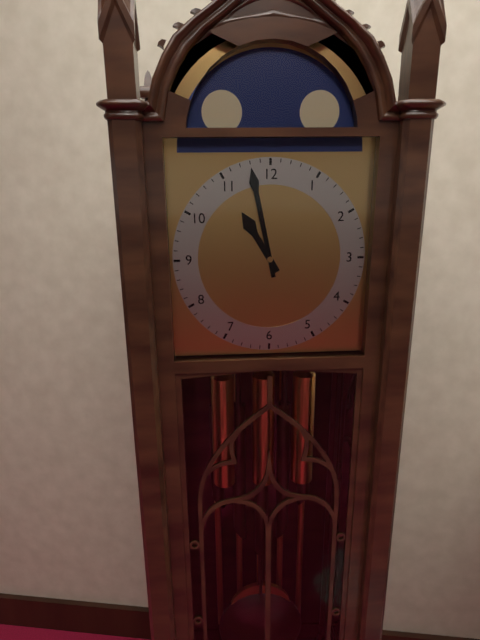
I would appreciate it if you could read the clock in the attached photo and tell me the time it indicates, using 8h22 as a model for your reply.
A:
10h58
